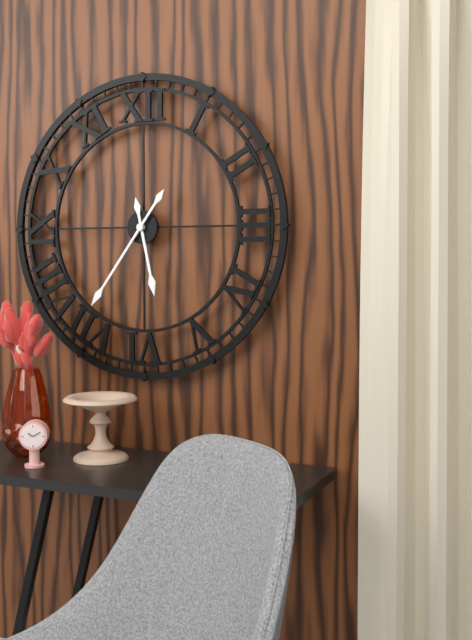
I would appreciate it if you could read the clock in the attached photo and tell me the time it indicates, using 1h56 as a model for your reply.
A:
5h36
